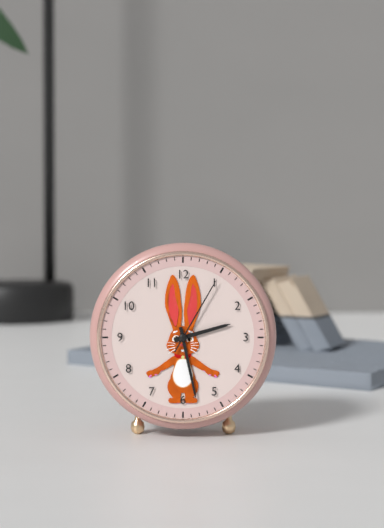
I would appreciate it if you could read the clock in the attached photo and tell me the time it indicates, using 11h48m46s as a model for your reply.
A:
2h28m05s
